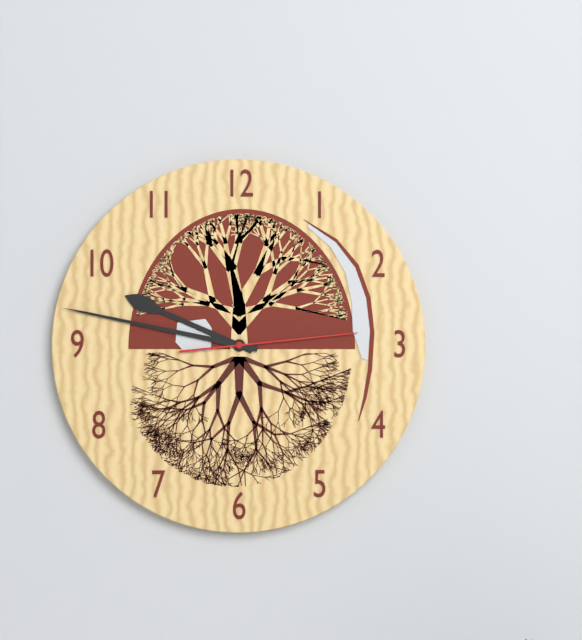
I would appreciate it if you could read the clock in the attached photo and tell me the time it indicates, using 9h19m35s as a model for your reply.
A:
9h47m14s
